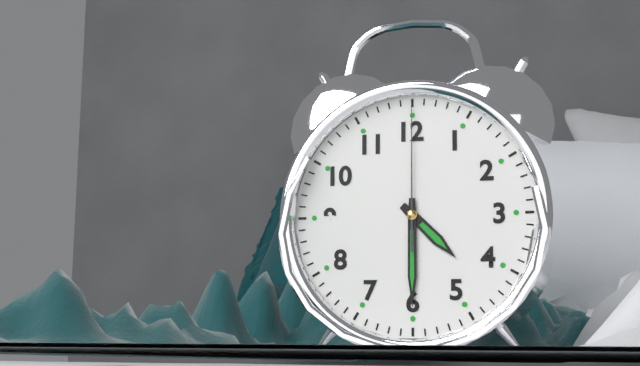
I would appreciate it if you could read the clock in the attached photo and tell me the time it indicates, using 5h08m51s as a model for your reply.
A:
4h30m00s
